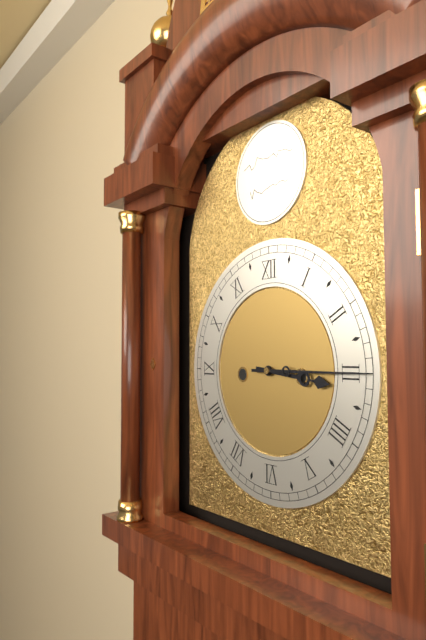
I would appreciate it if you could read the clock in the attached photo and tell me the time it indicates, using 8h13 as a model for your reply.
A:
3h15
